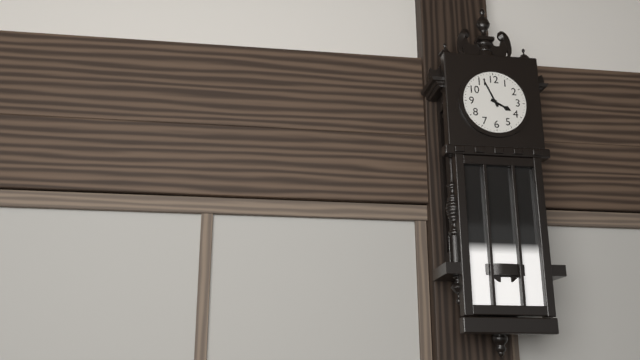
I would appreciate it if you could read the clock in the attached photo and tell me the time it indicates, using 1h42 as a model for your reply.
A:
3h56
